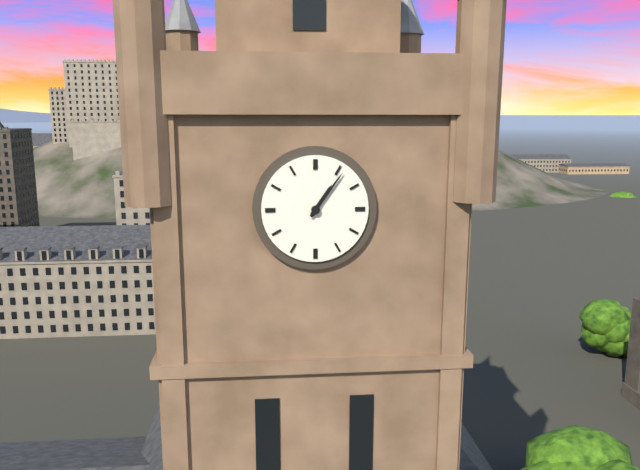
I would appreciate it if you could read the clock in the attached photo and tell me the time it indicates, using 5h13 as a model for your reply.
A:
1h06
